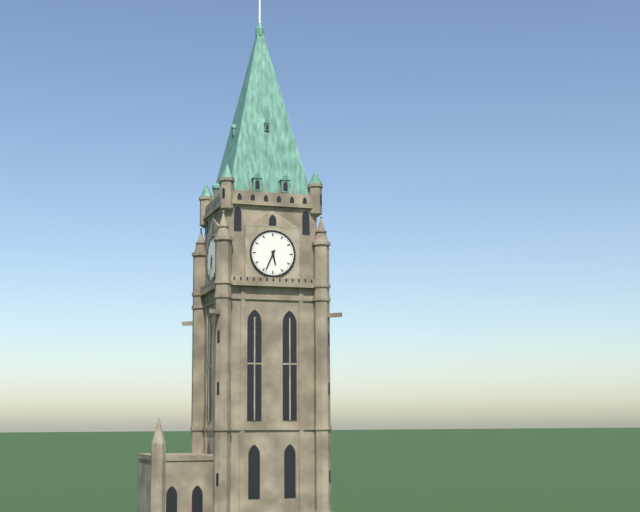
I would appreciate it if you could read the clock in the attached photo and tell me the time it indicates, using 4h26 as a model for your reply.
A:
5h34
